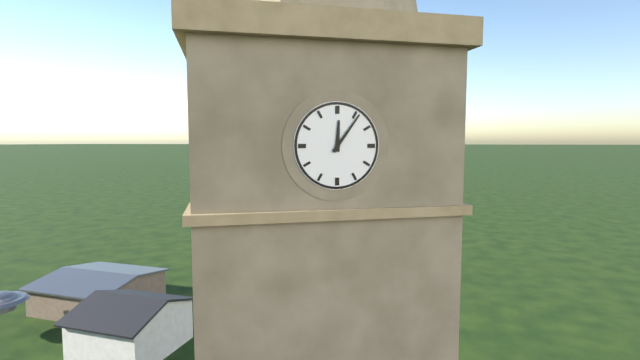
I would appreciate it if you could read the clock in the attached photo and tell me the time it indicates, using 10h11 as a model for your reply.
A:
12h06
